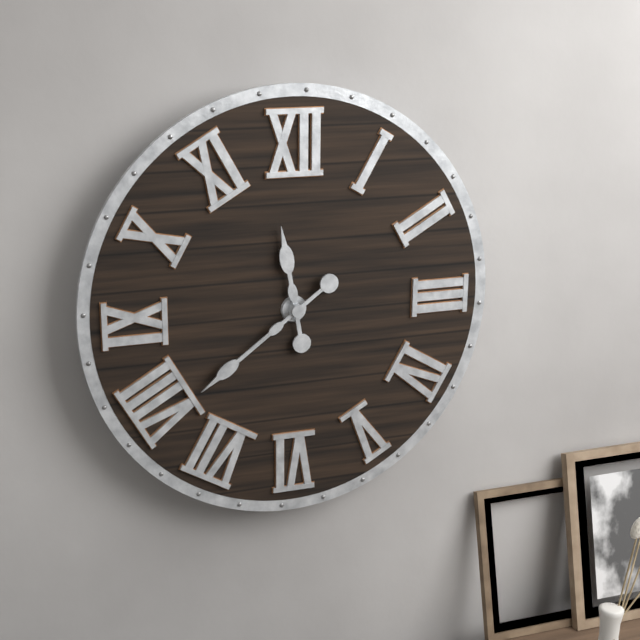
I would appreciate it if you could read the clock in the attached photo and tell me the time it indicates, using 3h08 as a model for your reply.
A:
11h39
